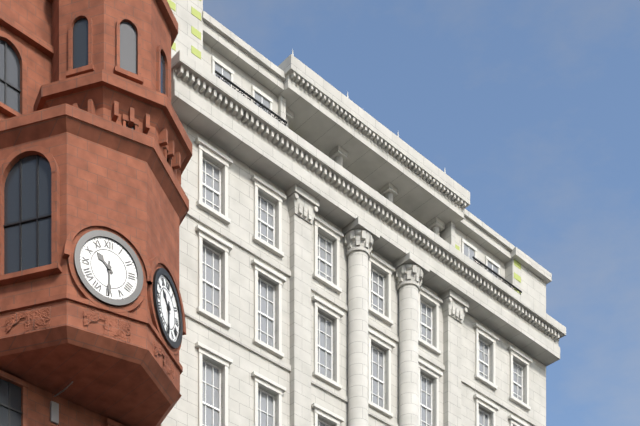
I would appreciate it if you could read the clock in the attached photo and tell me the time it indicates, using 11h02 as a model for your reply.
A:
10h30
